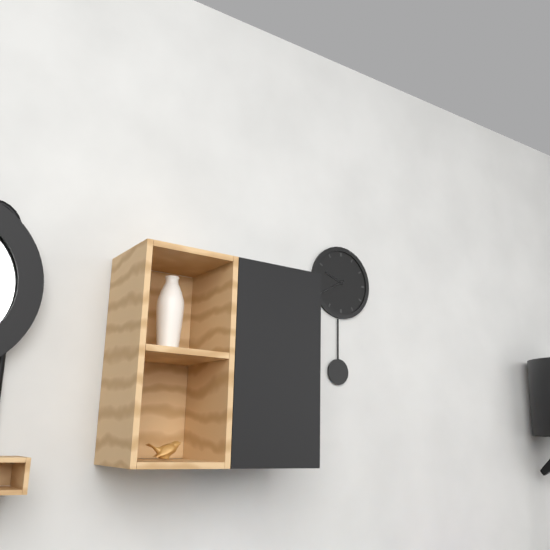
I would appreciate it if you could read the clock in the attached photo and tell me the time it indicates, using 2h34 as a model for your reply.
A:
9h40
